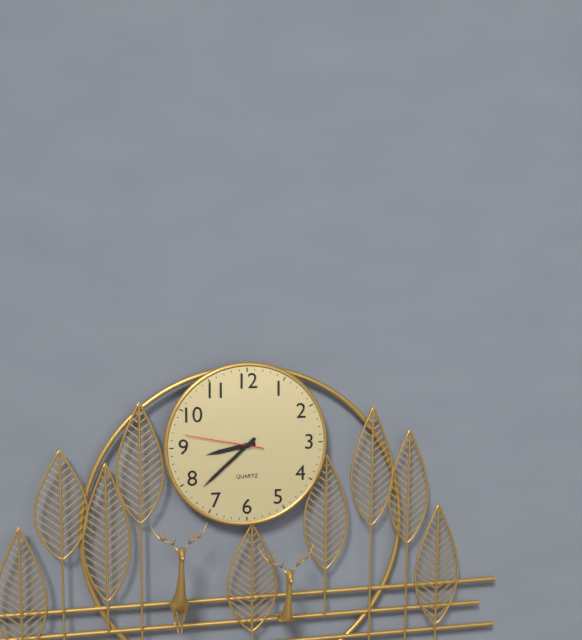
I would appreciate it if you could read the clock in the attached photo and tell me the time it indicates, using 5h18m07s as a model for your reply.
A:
8h38m47s
